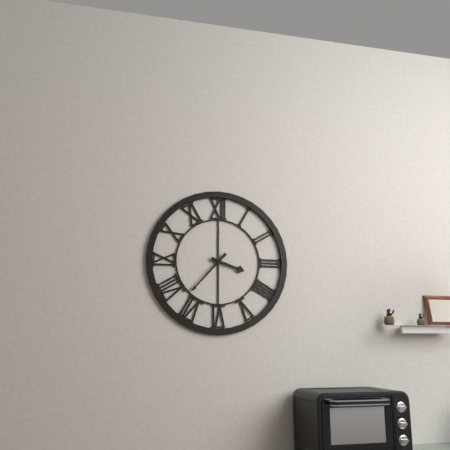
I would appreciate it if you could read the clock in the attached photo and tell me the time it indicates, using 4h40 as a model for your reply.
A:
3h37
